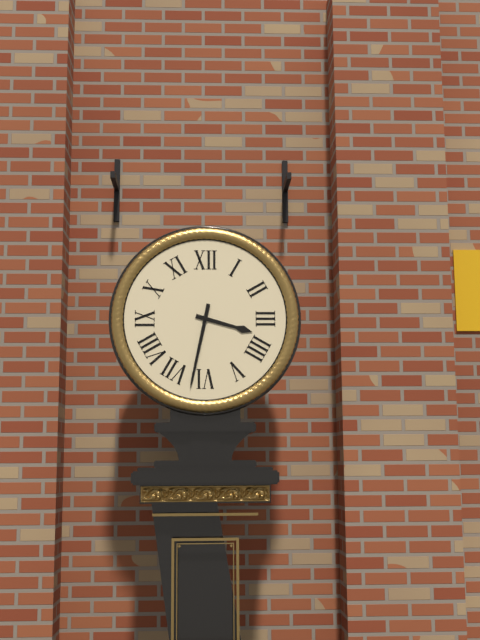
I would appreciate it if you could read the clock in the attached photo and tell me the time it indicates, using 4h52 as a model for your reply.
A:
3h32
